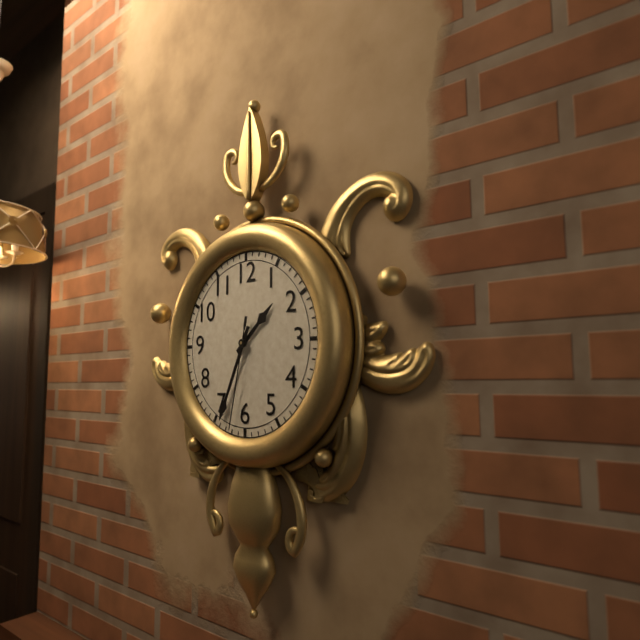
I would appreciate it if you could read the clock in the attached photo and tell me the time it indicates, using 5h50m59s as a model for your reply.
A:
1h34m32s
